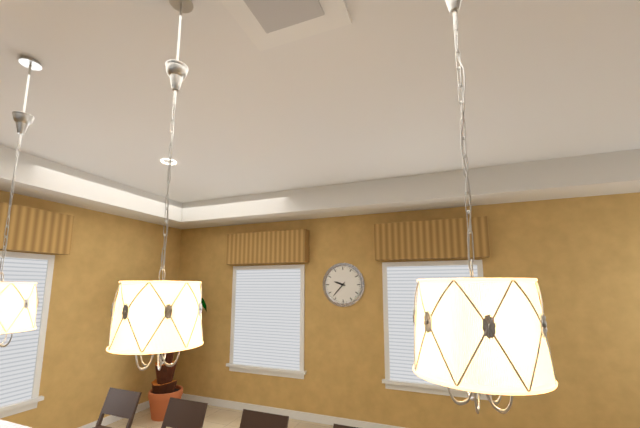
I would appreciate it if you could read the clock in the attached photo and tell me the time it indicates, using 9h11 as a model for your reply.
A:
9h37
